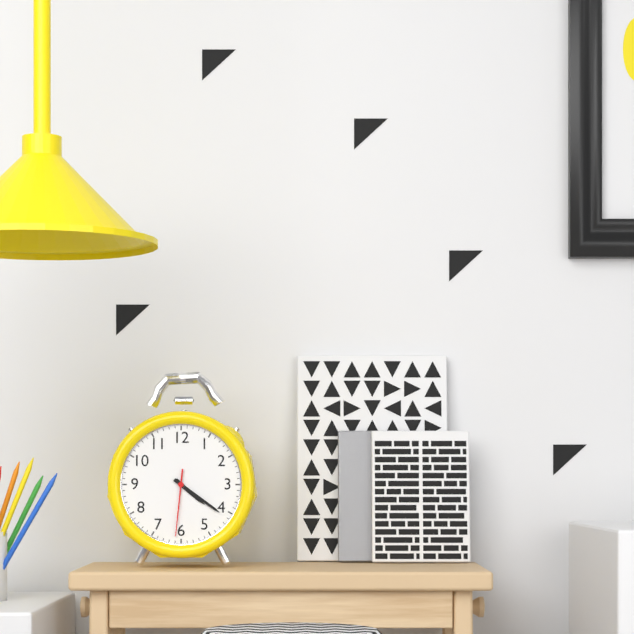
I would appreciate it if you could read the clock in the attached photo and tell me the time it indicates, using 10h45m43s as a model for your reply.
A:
4h21m31s
